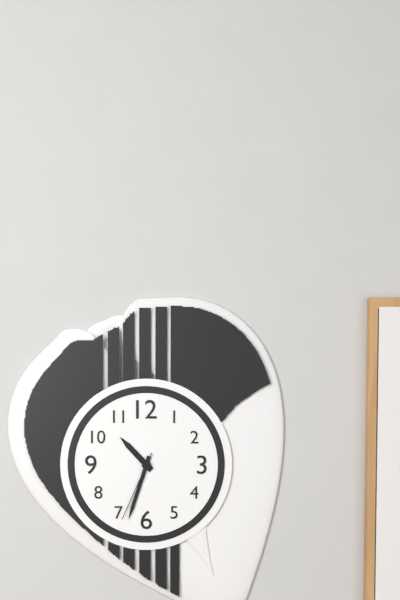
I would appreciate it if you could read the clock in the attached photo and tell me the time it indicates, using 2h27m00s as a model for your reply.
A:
10h33m34s
